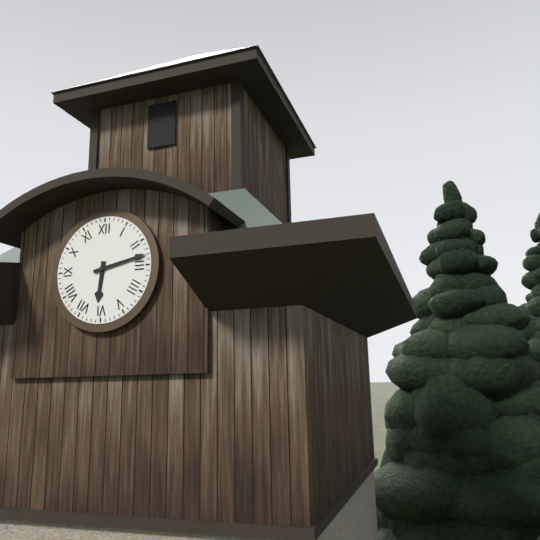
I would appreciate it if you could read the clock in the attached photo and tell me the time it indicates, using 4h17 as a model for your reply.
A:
6h13
